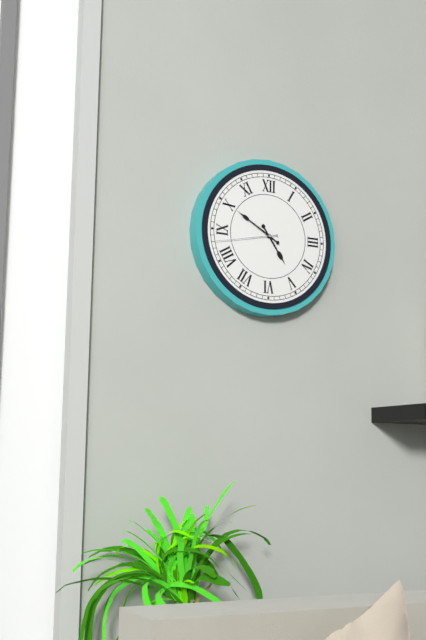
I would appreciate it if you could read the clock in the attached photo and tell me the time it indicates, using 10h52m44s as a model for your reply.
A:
4h50m43s
